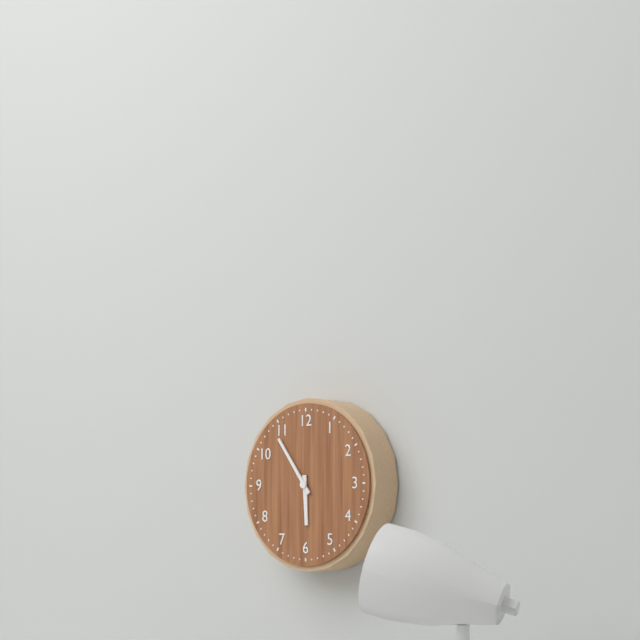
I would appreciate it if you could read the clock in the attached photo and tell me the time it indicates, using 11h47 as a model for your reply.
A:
5h54
